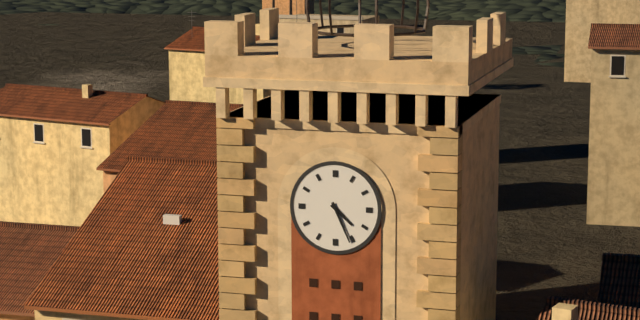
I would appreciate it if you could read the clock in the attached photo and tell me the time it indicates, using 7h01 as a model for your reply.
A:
4h26
